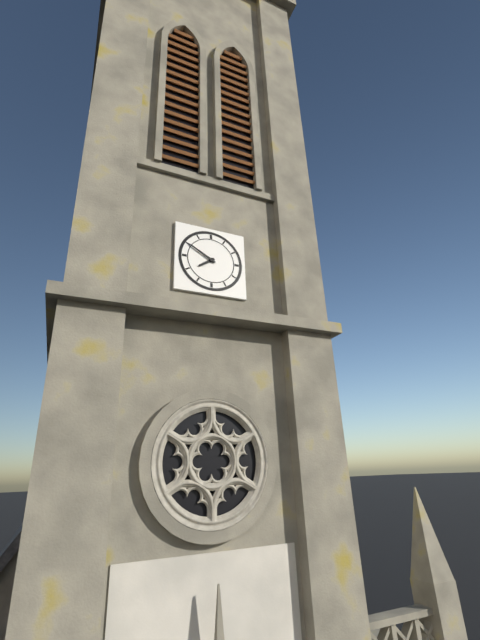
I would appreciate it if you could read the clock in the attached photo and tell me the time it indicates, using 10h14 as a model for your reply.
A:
7h50
